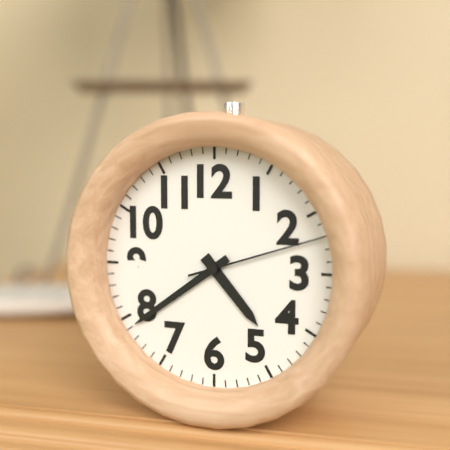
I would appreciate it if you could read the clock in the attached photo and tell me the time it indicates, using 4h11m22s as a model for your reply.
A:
4h39m12s
